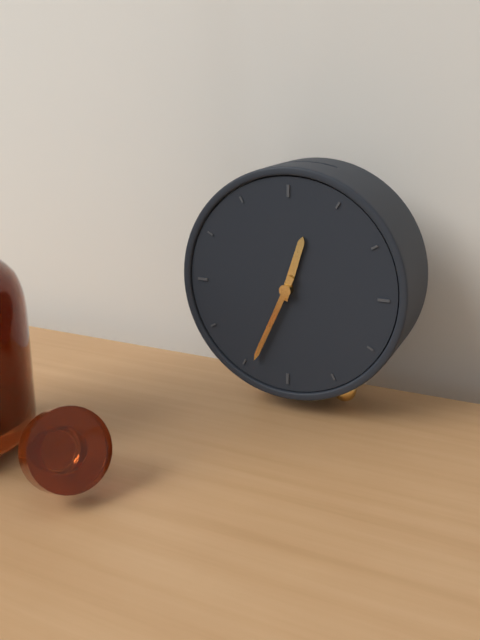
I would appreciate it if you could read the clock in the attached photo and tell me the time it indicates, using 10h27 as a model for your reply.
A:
12h34
